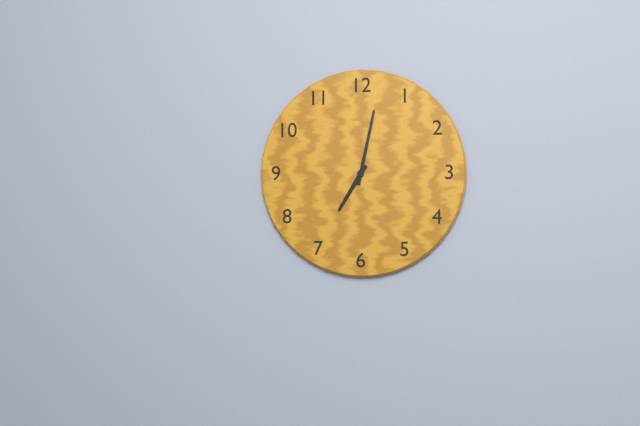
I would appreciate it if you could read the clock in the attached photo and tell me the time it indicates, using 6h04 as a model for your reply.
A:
7h02
